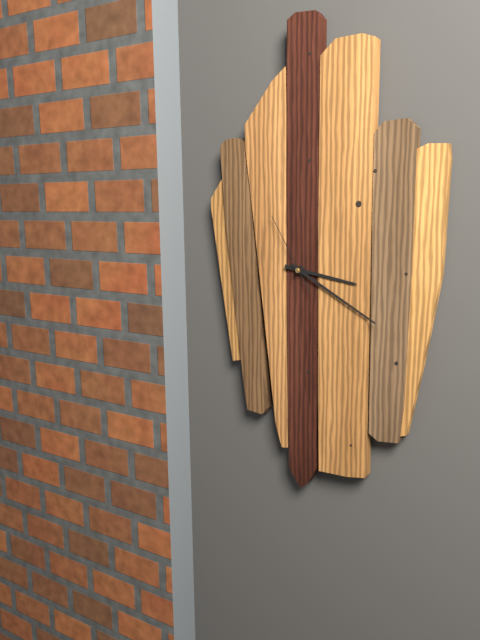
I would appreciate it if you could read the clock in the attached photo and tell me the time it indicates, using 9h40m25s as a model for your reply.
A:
3h20m55s
